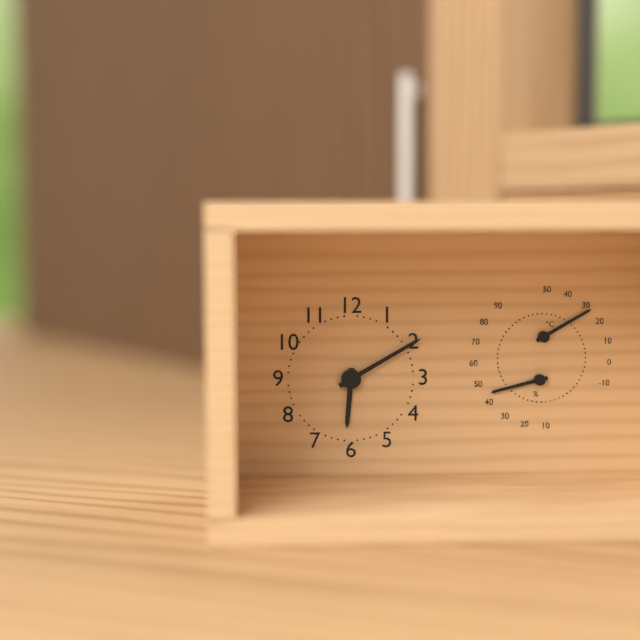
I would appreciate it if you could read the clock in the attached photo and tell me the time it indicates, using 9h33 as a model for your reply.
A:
6h10
